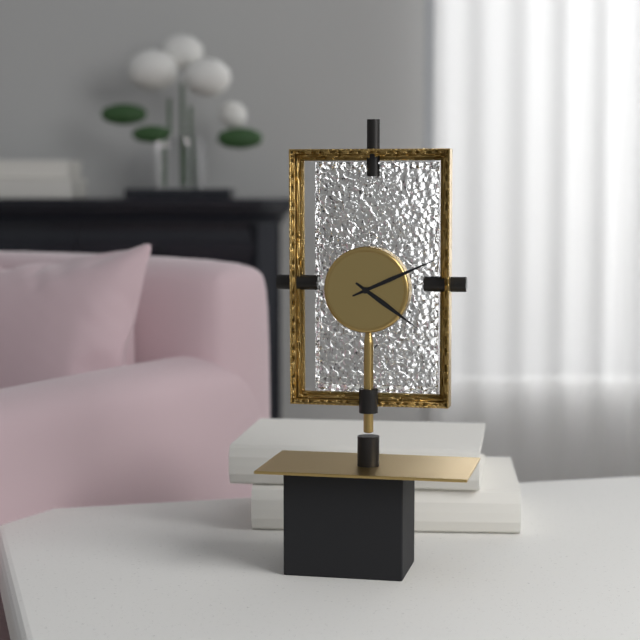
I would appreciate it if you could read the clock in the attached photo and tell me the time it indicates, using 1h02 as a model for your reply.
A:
4h11
